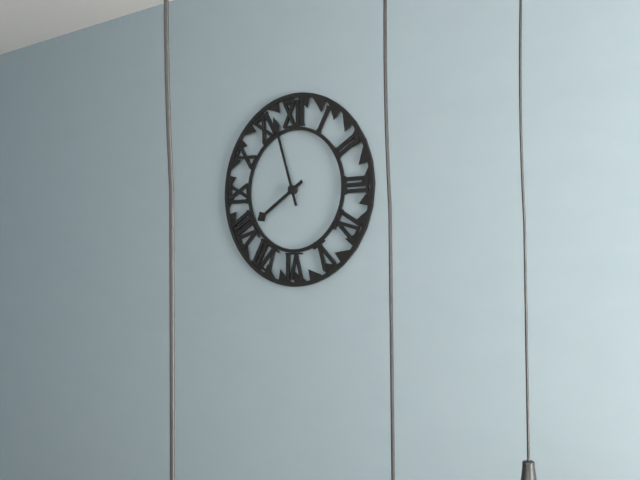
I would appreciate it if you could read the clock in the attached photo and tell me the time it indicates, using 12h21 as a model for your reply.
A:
7h57
